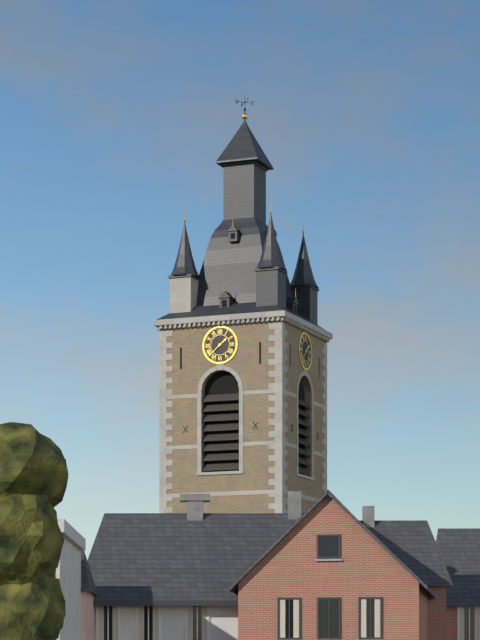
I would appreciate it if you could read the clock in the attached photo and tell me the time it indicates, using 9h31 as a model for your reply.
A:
1h38
